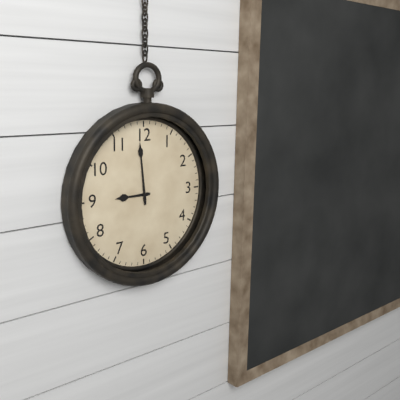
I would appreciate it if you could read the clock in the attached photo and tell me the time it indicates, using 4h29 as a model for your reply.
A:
8h59
